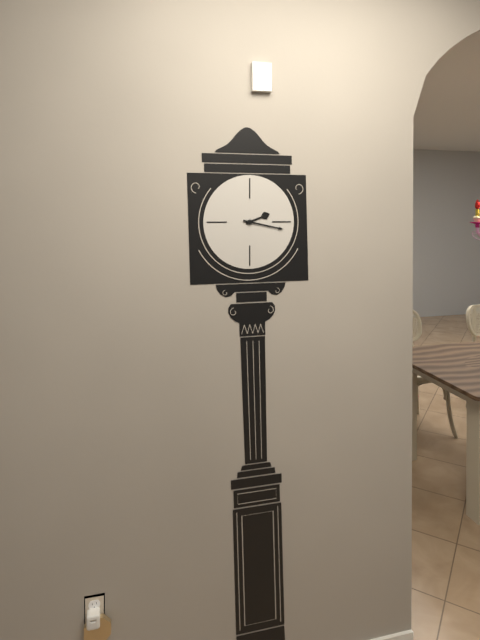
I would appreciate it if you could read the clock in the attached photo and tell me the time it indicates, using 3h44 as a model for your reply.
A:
2h17
